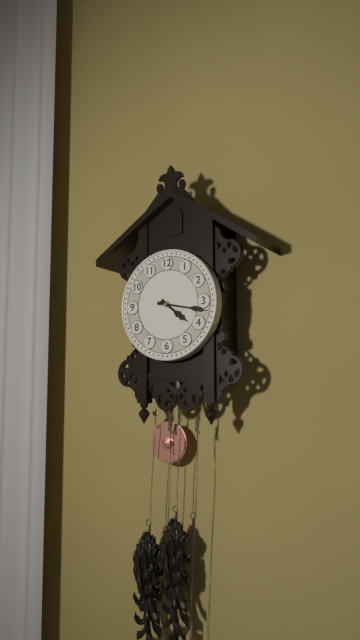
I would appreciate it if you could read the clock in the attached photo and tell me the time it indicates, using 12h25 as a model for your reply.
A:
4h17
